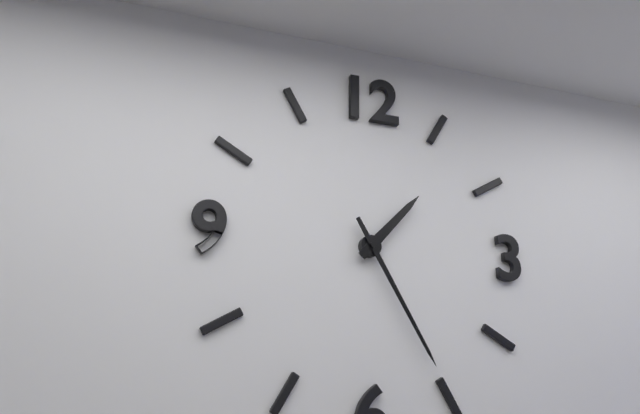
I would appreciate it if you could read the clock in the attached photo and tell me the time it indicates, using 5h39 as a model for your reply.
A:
1h25
